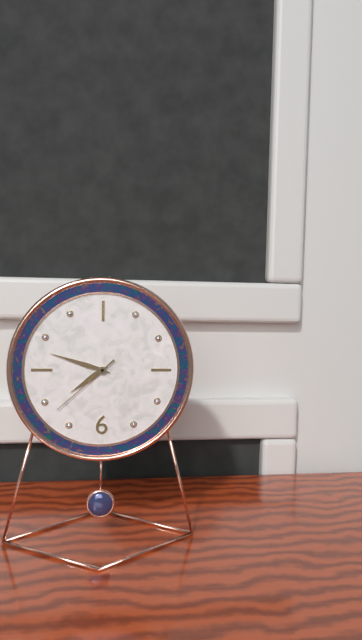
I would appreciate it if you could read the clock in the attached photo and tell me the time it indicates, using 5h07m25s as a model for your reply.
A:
7h48m38s
